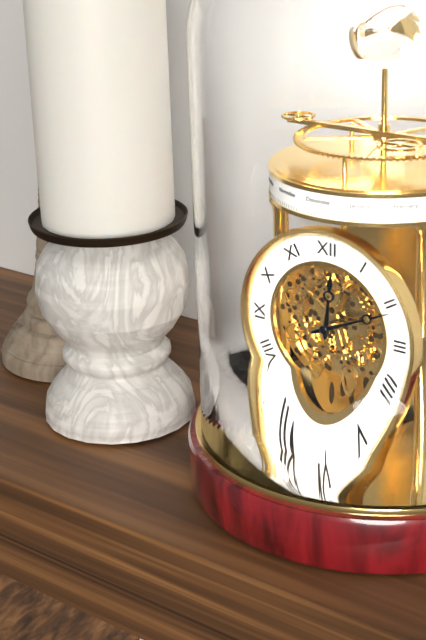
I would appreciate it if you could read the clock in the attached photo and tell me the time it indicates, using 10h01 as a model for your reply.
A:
12h11
